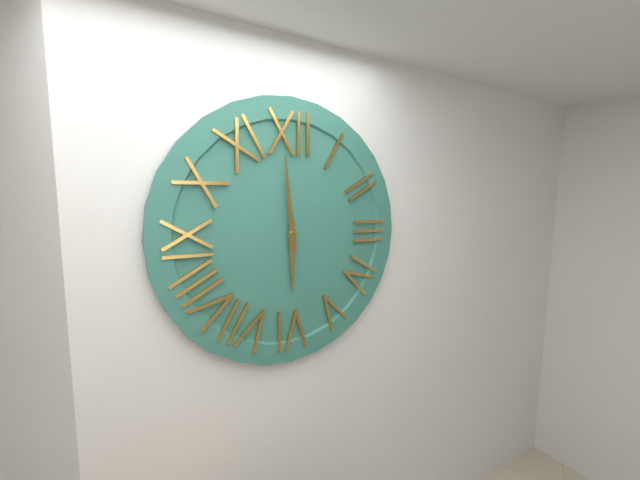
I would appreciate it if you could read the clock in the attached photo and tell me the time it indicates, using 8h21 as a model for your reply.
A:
5h59
